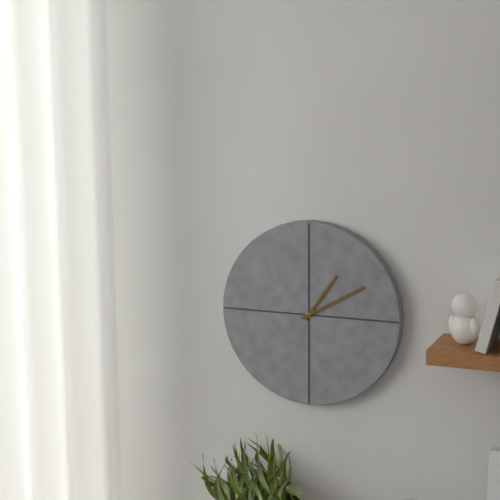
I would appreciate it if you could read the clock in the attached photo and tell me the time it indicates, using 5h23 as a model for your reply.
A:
1h10
